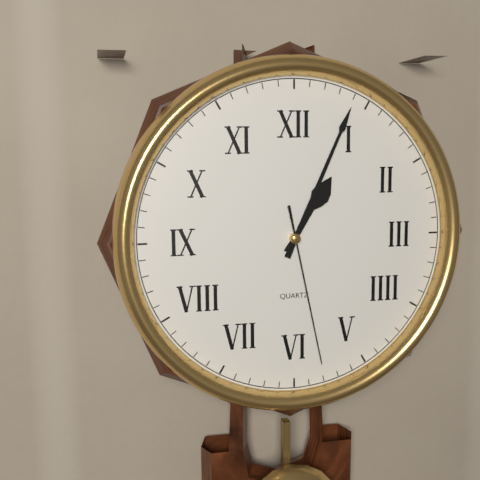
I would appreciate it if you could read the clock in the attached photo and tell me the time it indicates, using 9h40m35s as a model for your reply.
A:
1h04m28s
